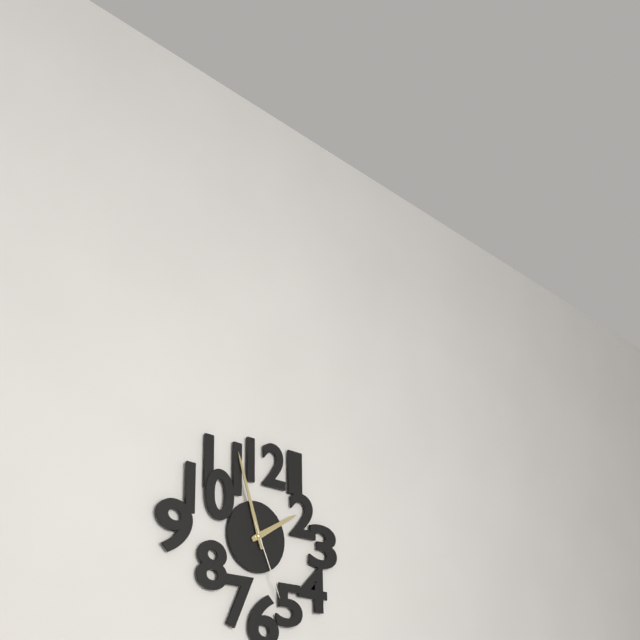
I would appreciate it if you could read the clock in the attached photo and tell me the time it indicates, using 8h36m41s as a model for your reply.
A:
1h57m26s
